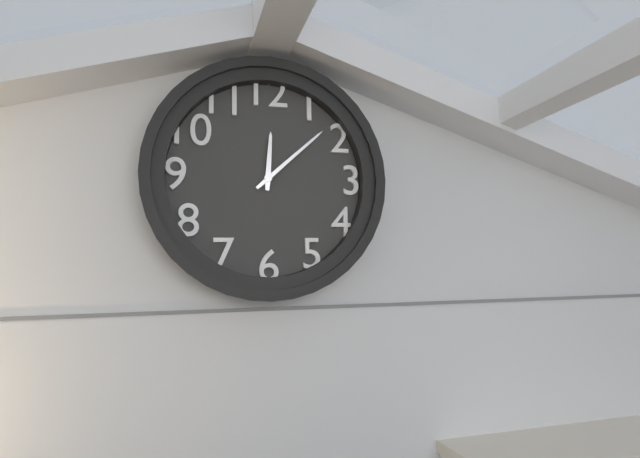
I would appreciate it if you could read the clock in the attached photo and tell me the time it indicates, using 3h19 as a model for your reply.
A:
12h08
